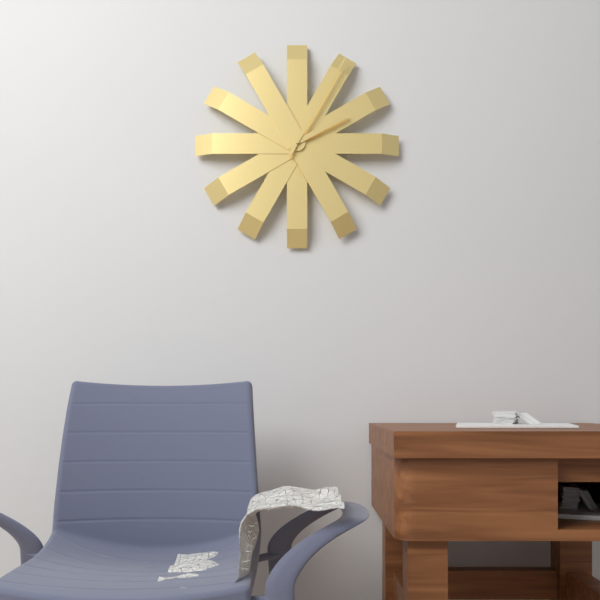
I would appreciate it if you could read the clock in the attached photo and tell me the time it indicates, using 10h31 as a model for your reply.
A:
2h05
